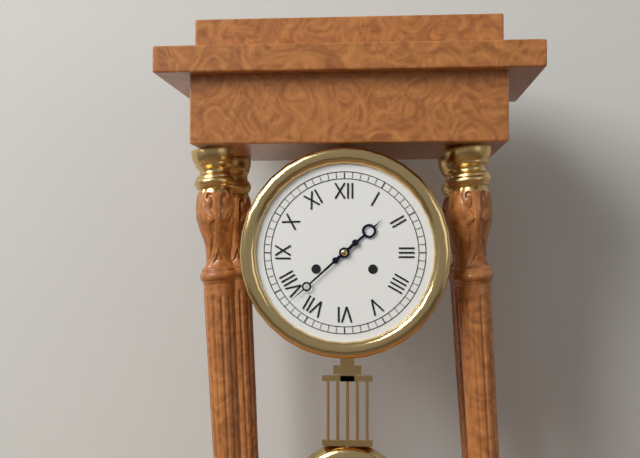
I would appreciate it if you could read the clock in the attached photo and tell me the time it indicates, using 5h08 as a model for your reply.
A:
1h38
